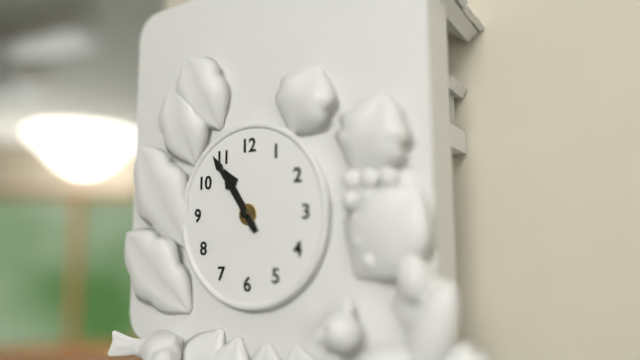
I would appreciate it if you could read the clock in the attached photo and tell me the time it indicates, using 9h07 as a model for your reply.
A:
10h54
